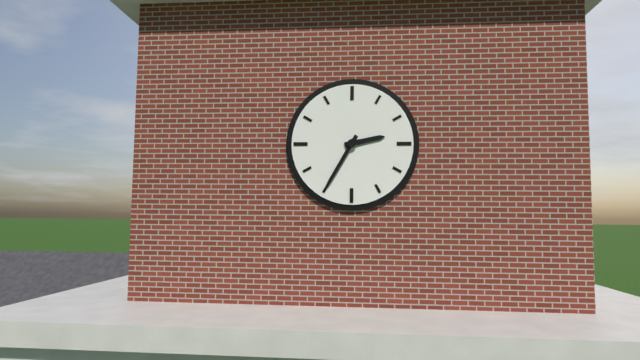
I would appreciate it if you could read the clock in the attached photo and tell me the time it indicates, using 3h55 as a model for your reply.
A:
2h35
